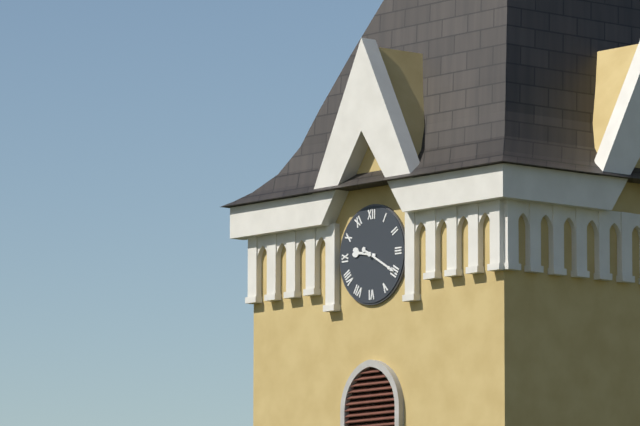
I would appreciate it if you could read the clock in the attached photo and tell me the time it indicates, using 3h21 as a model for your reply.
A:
9h20
